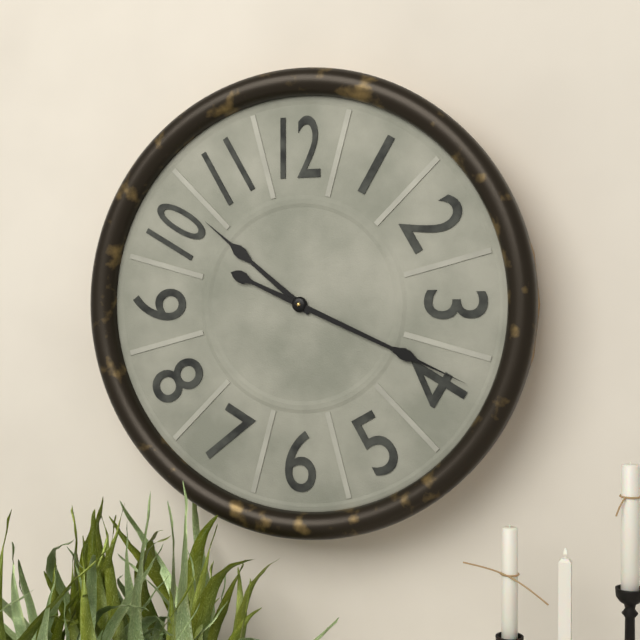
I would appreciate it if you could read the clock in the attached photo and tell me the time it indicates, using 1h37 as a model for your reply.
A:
10h19
